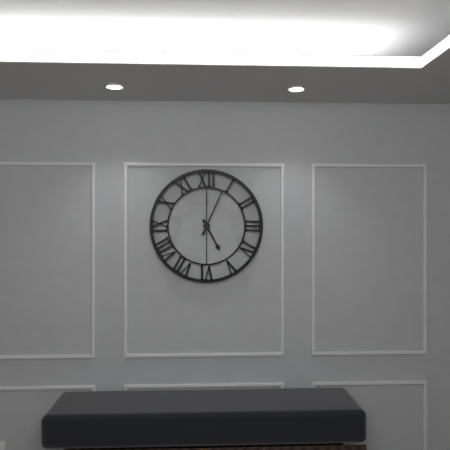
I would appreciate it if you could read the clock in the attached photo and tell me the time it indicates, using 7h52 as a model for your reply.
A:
5h04
